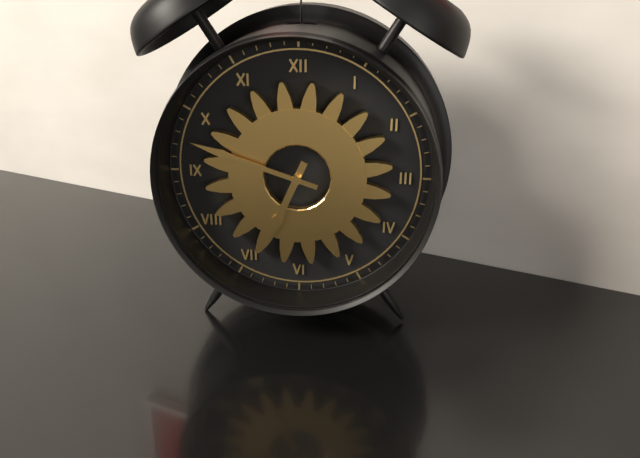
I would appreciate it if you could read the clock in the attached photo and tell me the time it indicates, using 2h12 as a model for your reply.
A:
6h48
